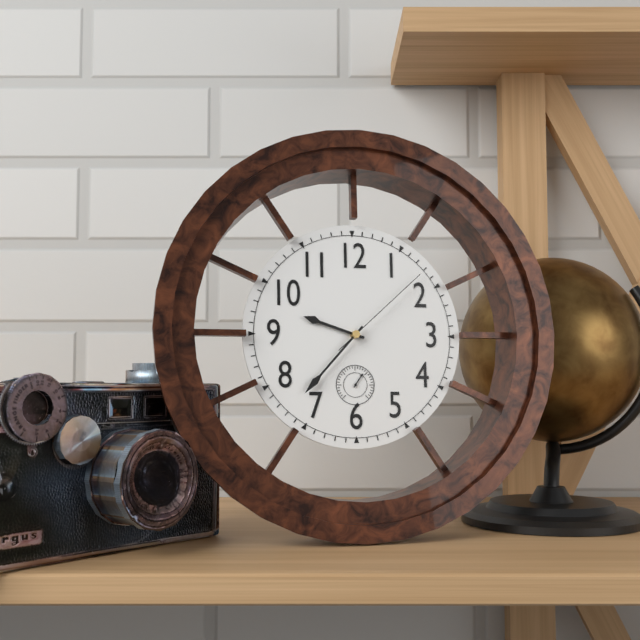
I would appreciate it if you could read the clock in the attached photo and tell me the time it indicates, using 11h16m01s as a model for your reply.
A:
9h37m08s
